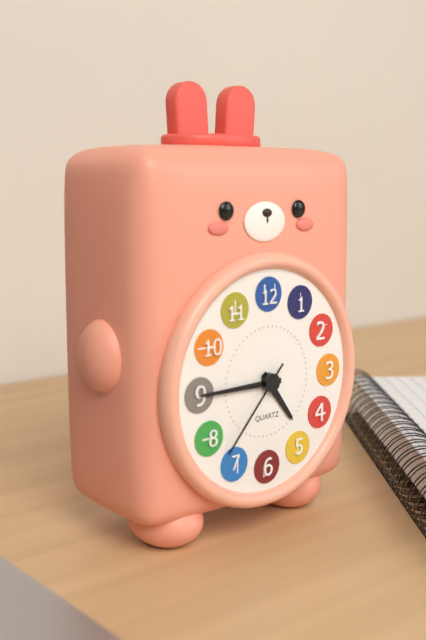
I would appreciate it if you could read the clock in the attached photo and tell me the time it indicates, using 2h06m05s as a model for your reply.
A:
4h45m37s
